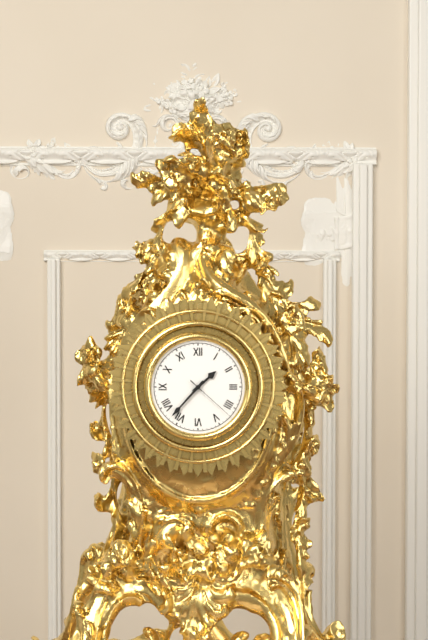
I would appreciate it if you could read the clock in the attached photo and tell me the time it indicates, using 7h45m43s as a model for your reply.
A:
1h37m22s
